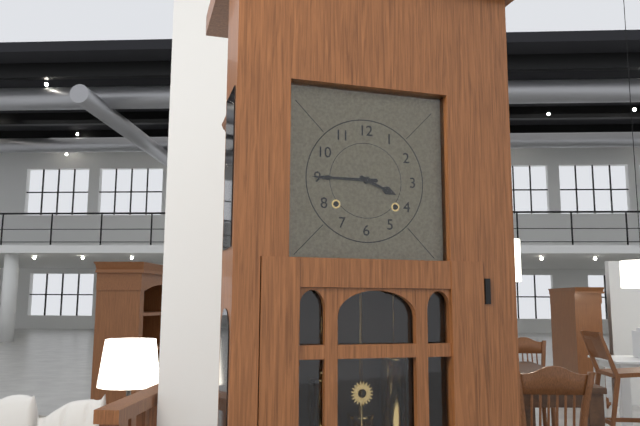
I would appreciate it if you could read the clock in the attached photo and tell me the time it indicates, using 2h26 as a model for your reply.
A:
3h45
